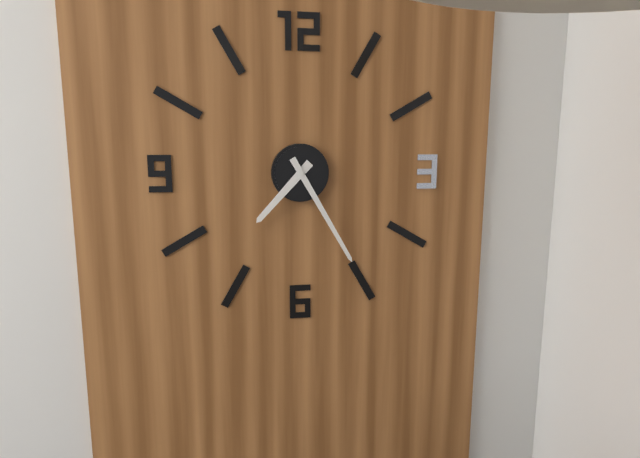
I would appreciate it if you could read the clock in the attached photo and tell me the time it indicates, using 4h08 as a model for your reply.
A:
7h25
